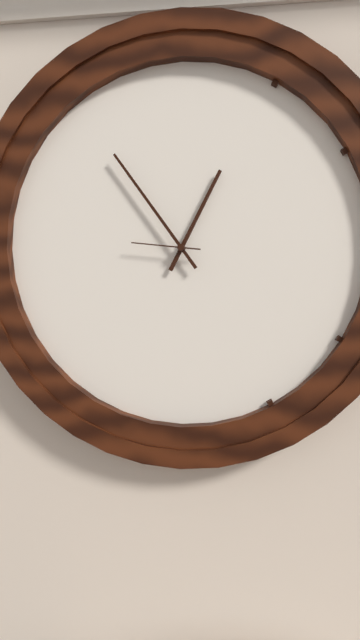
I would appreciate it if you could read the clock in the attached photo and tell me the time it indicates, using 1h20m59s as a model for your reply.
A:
12h54m46s
